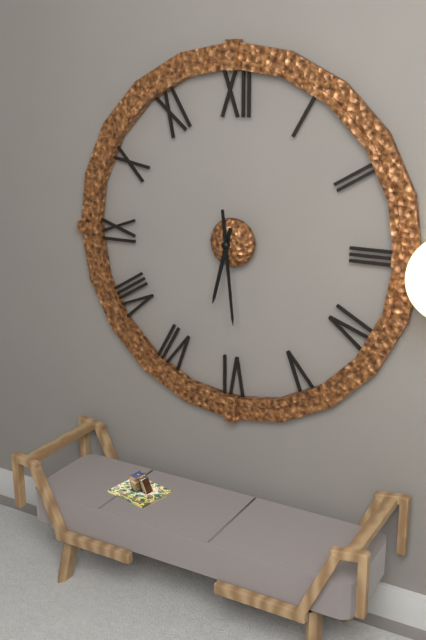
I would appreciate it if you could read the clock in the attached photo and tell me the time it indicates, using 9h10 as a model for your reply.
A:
6h29
